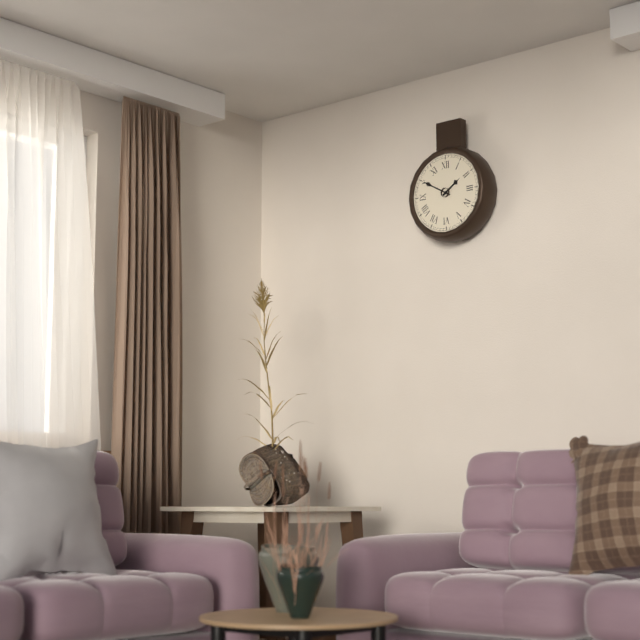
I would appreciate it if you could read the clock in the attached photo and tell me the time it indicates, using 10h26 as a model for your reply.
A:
1h50
